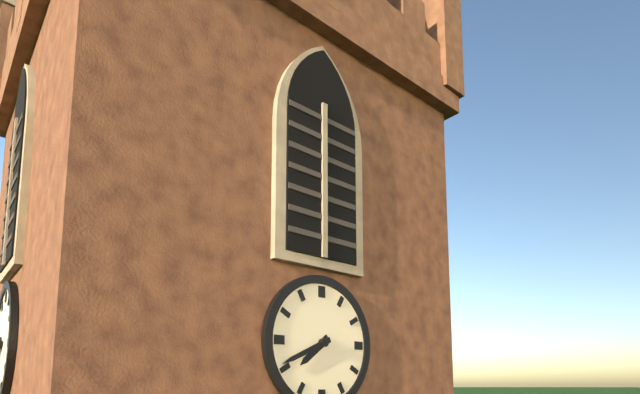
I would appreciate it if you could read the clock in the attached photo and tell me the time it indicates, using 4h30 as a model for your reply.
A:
7h41
